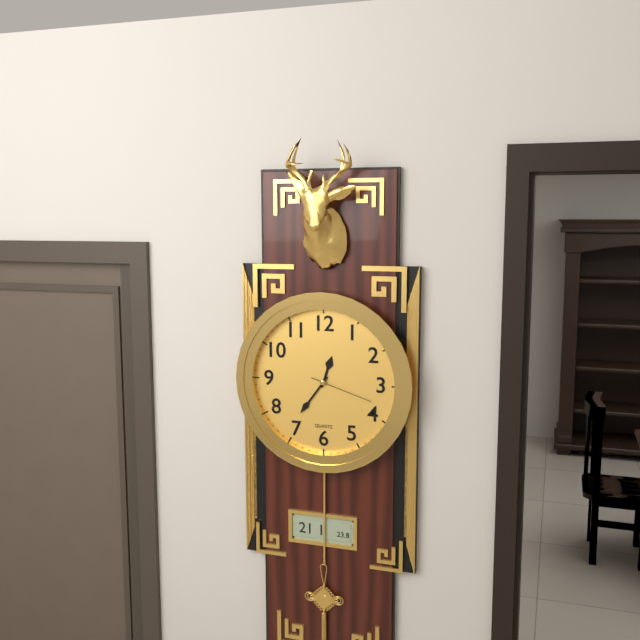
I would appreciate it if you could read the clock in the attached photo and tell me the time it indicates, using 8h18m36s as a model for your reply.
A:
12h36m18s
